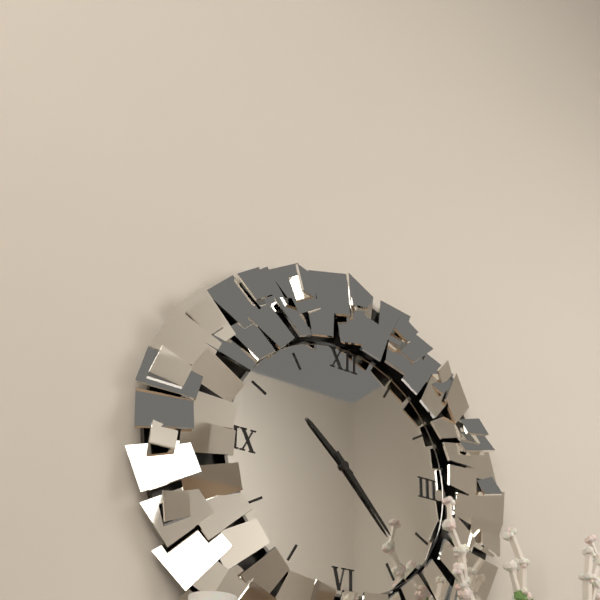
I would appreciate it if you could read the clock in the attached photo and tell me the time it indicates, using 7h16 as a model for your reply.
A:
10h23
